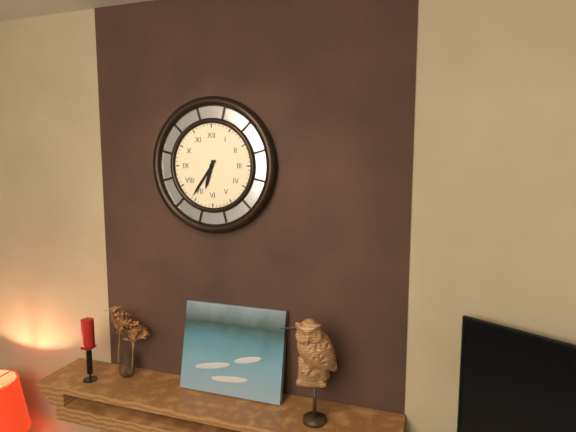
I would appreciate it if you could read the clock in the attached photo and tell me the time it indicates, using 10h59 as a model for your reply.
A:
6h36
